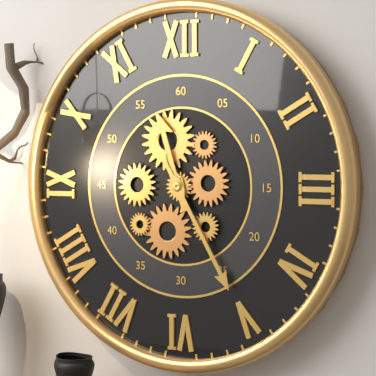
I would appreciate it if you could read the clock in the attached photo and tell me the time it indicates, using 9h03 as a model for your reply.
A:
11h25
